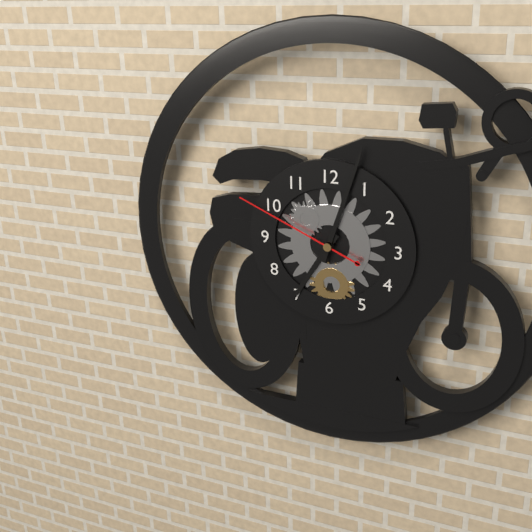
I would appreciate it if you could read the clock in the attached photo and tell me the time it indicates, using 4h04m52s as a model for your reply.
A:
7h03m49s
